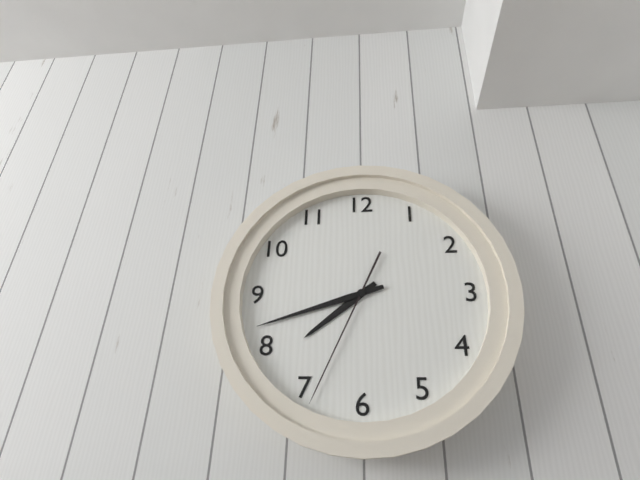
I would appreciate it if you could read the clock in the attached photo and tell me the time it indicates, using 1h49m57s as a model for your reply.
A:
7h42m34s
